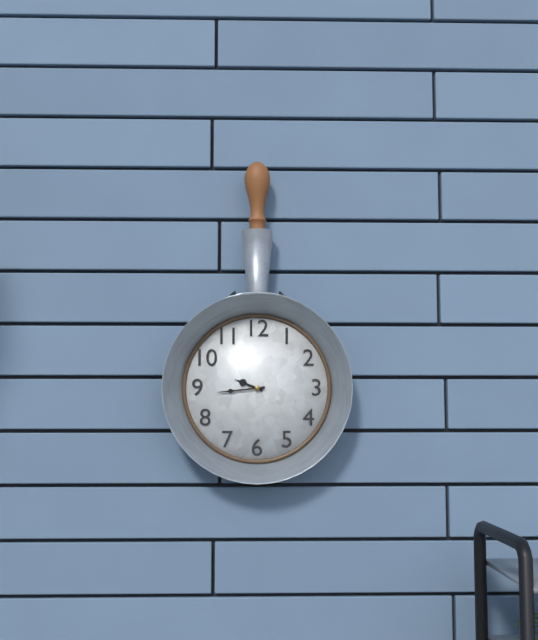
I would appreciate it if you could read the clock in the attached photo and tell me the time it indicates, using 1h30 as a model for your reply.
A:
9h44
